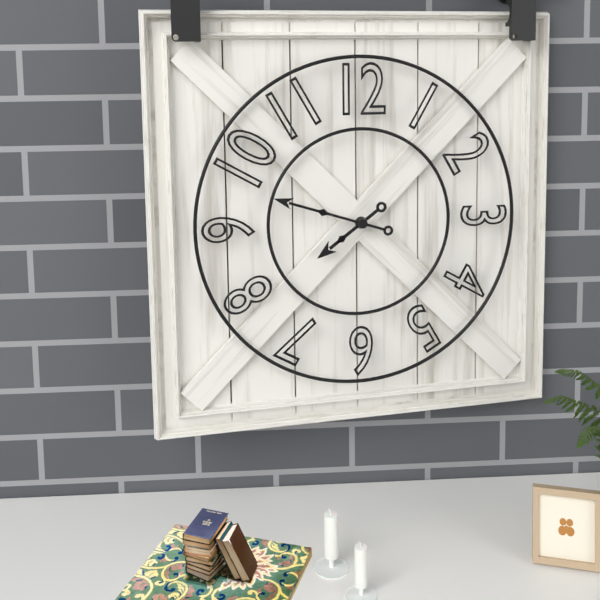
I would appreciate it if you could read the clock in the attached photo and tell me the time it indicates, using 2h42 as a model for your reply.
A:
7h48
